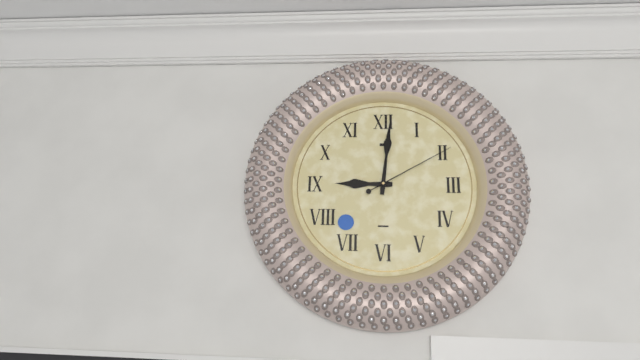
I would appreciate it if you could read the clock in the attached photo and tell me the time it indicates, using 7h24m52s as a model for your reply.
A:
9h01m10s
